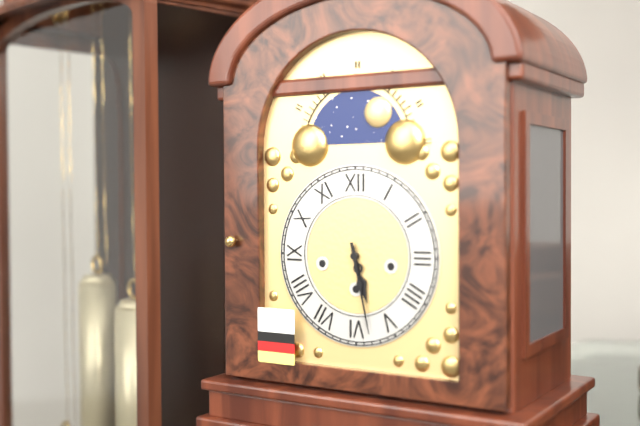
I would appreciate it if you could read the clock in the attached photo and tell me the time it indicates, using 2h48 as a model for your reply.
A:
5h28
